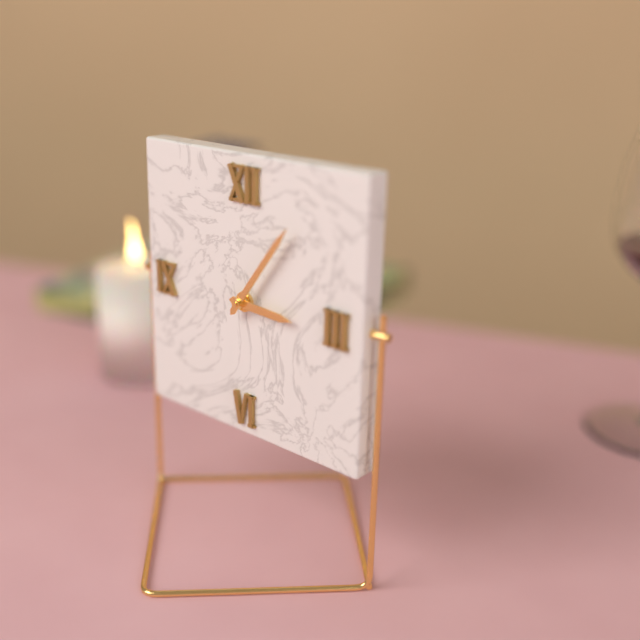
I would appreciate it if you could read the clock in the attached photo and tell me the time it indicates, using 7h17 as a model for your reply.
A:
3h06
